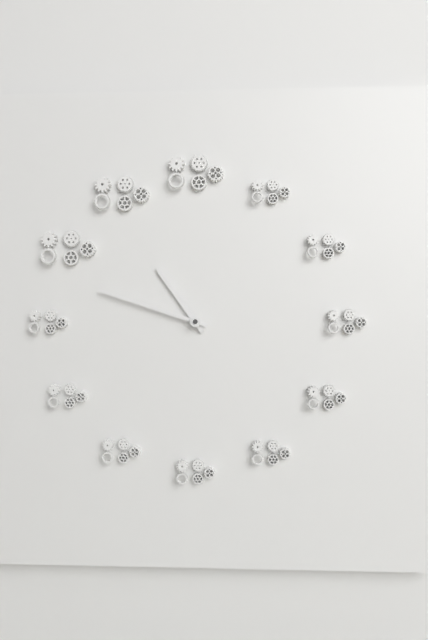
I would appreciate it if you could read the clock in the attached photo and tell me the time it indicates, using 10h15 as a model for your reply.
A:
10h48
